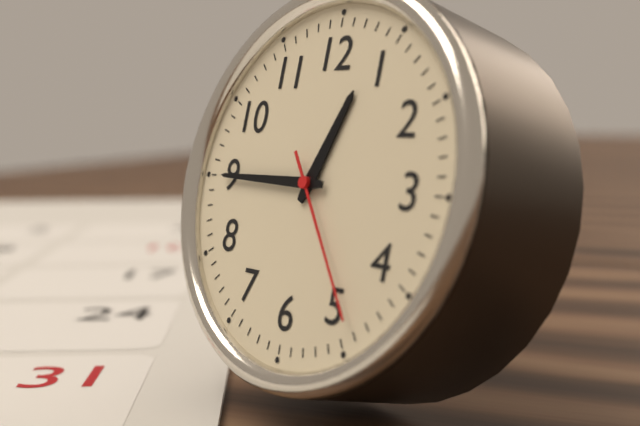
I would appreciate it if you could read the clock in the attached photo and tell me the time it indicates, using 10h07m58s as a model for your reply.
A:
12h45m24s
